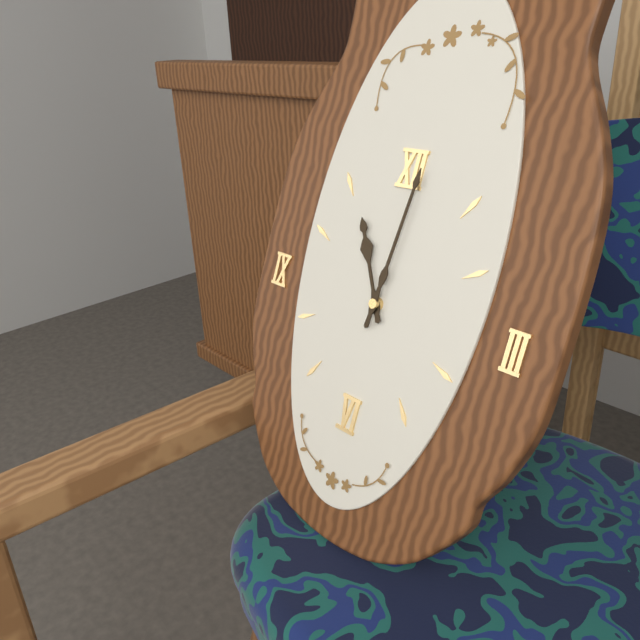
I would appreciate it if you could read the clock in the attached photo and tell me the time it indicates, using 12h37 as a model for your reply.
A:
11h01
